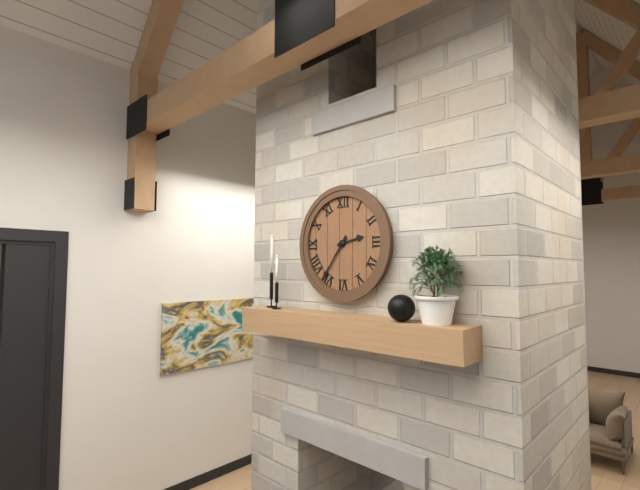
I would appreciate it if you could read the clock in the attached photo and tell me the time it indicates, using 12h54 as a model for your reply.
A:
2h36
